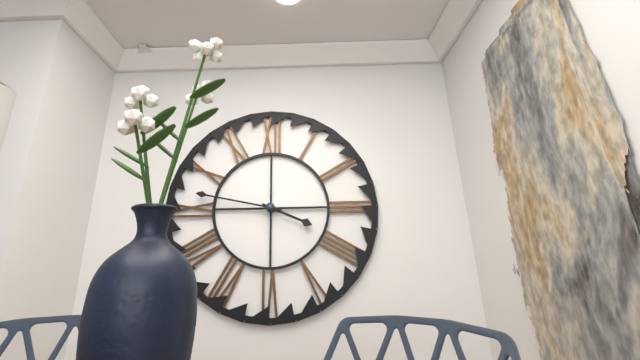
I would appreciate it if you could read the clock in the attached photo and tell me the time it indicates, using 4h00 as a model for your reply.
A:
3h47
